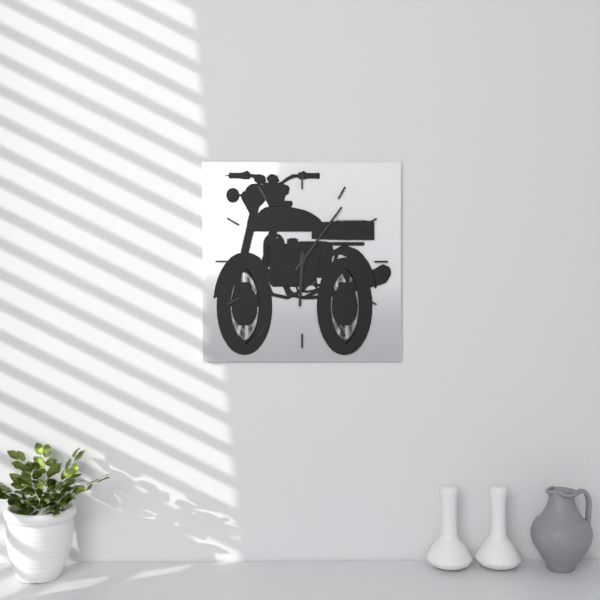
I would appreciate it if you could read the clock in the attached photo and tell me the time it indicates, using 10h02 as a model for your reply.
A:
6h06
